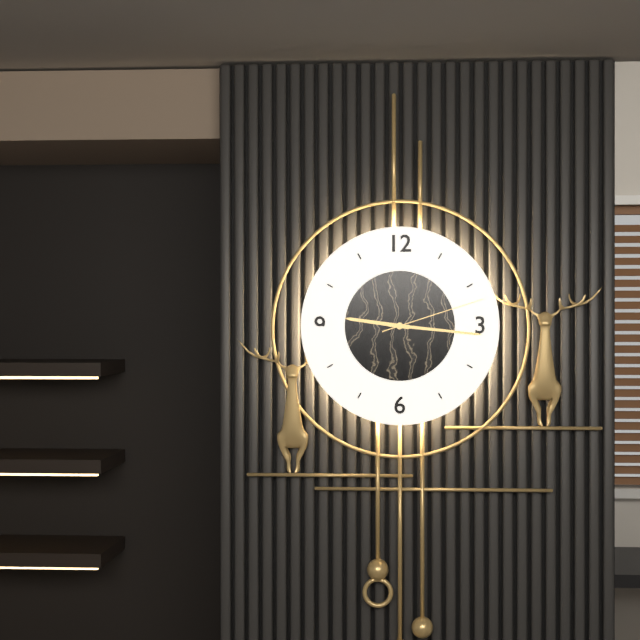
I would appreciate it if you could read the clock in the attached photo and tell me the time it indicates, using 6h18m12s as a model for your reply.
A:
9h16m12s
